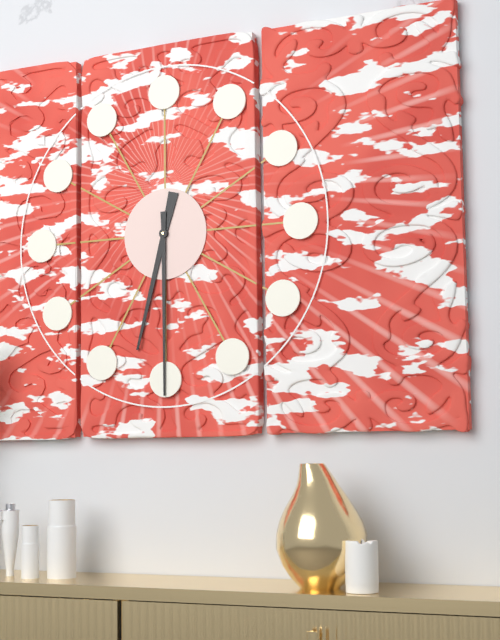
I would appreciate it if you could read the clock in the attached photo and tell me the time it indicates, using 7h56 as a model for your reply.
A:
6h30
